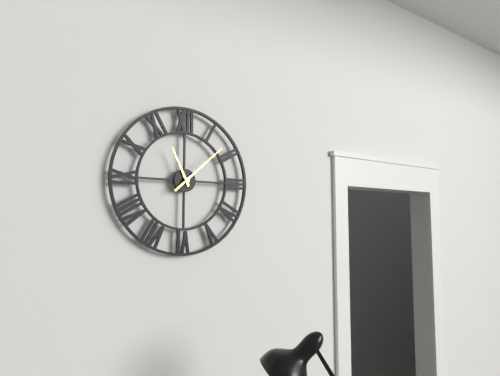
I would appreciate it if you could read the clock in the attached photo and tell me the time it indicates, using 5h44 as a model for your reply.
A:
11h08
